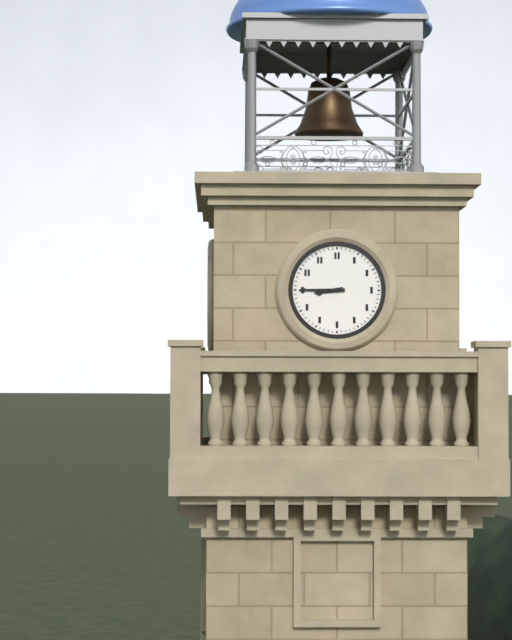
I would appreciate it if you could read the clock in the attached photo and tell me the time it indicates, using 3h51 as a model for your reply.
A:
8h45
